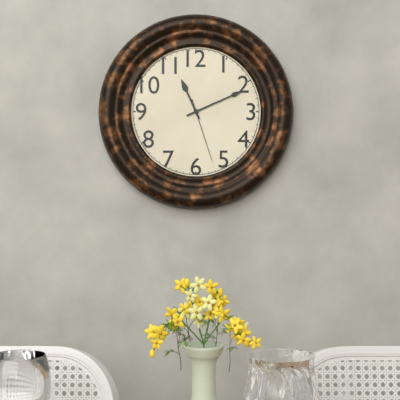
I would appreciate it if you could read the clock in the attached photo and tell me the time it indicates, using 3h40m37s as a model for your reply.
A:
11h11m27s
